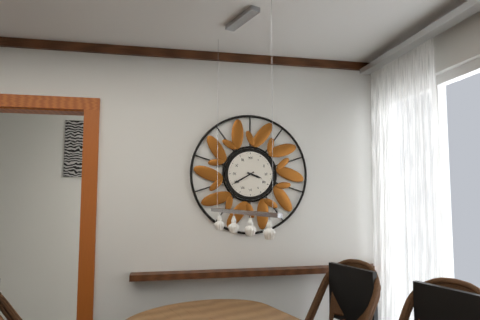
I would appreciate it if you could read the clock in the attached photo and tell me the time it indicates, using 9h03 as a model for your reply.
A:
3h40
